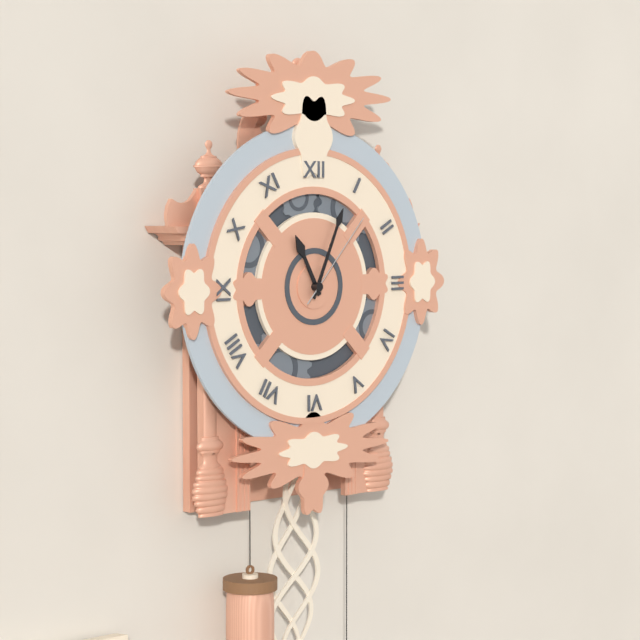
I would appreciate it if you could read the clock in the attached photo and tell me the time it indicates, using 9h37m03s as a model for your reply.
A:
11h04m07s
